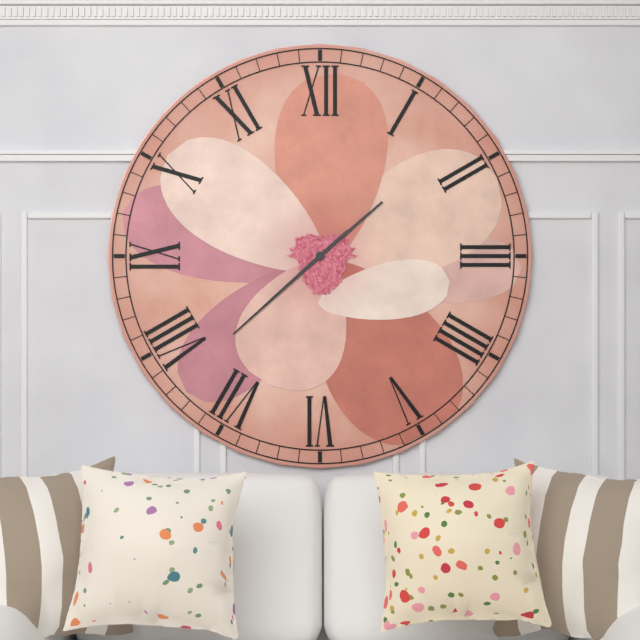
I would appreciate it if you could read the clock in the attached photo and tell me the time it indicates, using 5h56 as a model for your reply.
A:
1h38
